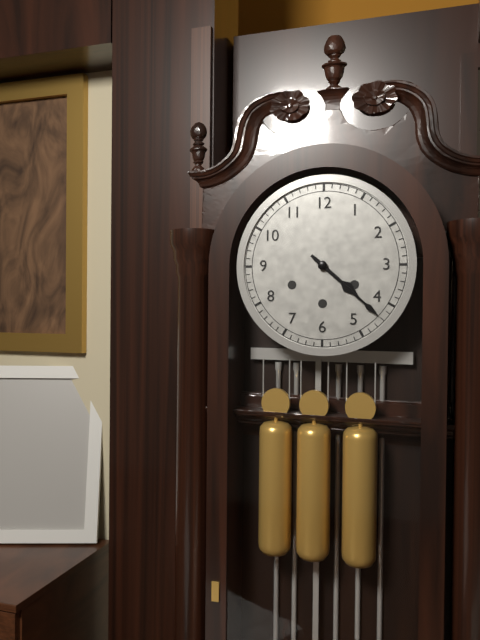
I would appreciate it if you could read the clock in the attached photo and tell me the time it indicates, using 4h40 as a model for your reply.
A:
4h22
